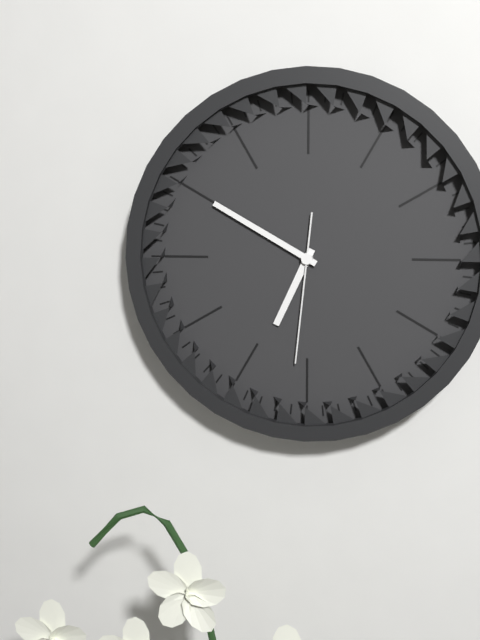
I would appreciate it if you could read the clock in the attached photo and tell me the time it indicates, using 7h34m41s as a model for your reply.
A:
6h50m31s
